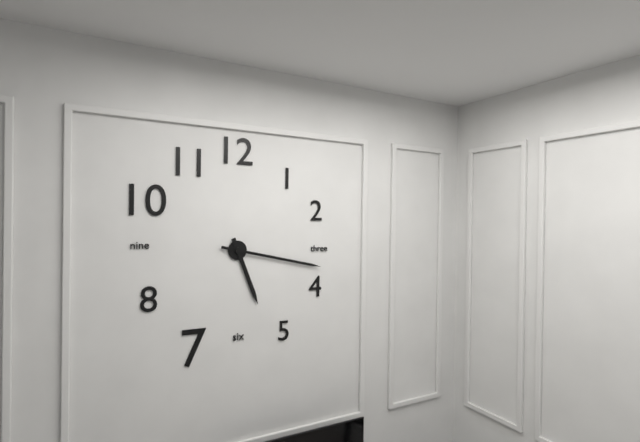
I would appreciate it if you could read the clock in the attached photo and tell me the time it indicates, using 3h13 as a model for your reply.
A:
5h17
